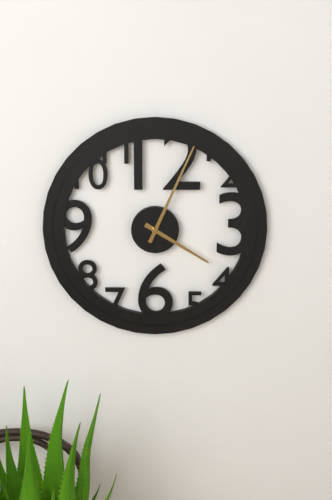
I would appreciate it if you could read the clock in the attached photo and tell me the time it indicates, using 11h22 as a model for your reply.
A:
4h04
